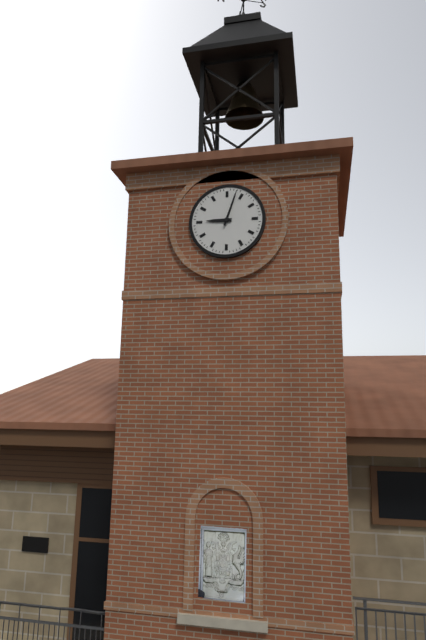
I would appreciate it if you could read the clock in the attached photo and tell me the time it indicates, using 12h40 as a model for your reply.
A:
9h03
